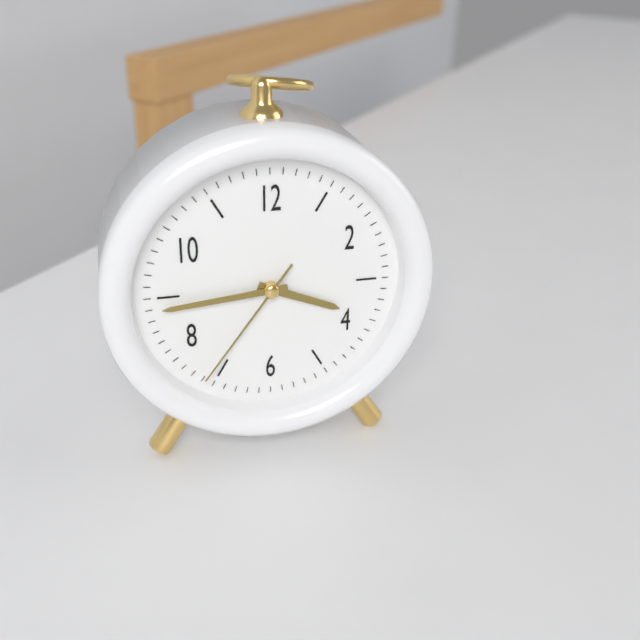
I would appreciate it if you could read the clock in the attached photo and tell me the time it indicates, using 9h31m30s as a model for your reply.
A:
3h44m36s
